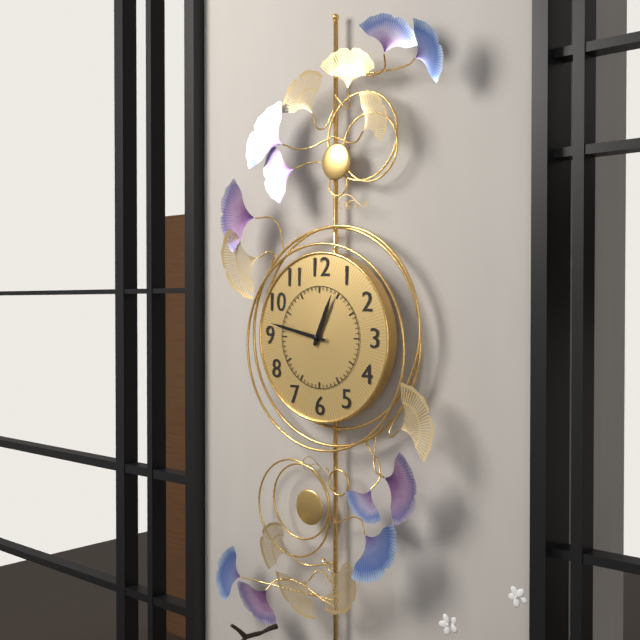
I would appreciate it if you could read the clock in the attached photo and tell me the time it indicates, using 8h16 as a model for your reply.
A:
12h47
